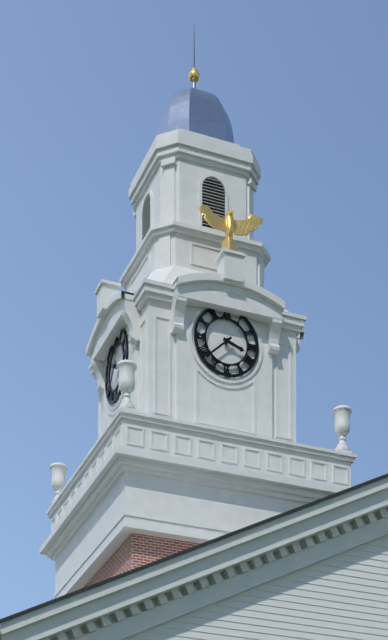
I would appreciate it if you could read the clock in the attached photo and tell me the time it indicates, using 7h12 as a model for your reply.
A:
3h38
